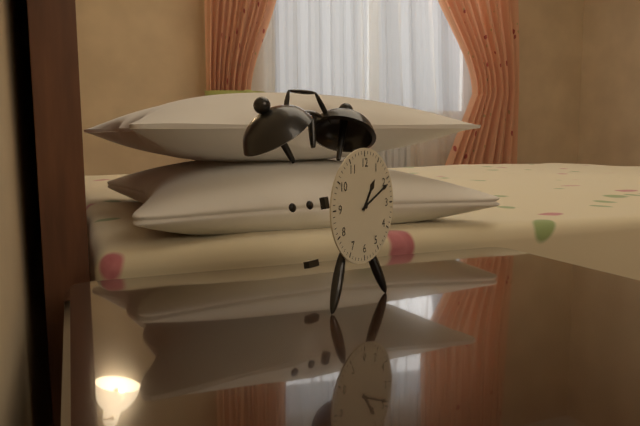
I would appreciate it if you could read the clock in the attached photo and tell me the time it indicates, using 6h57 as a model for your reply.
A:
1h11
